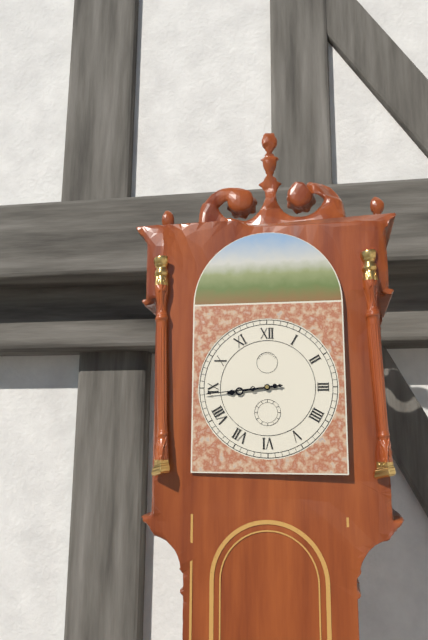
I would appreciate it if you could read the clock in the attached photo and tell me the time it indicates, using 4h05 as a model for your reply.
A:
8h44
